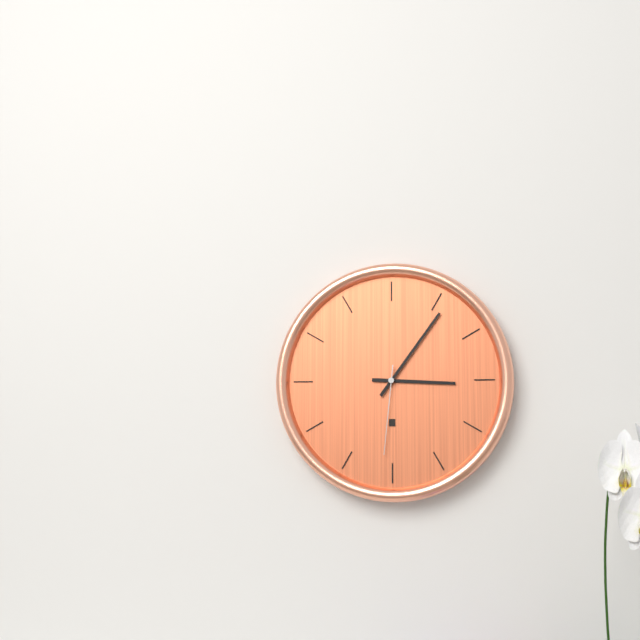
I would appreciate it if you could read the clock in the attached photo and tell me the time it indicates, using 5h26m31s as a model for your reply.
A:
3h06m31s
